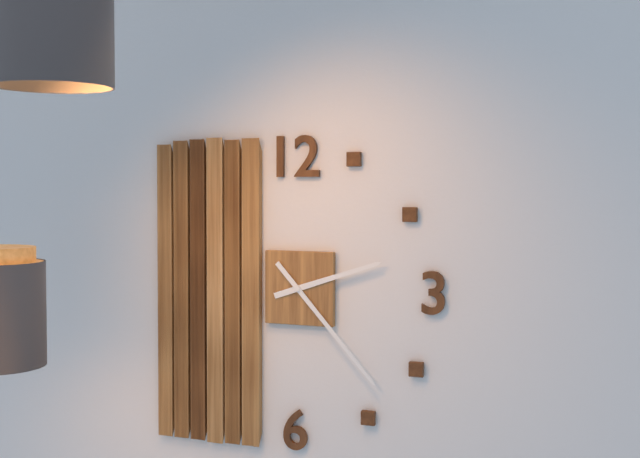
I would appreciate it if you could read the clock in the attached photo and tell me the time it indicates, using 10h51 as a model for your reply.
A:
2h23
